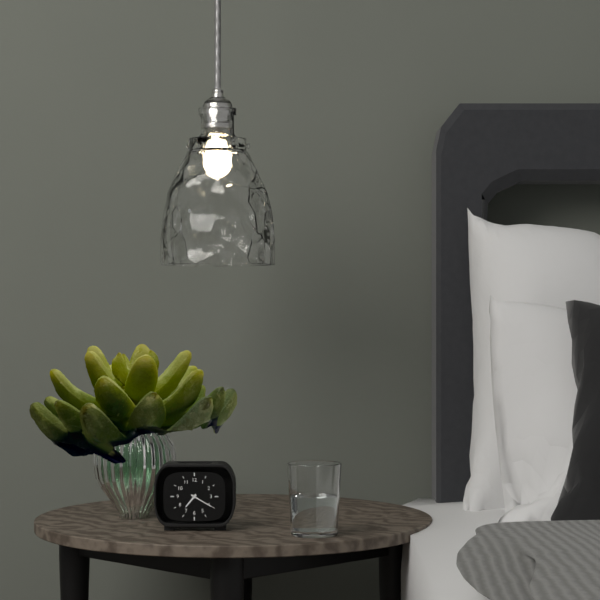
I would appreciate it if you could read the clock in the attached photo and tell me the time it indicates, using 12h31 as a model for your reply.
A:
7h20
